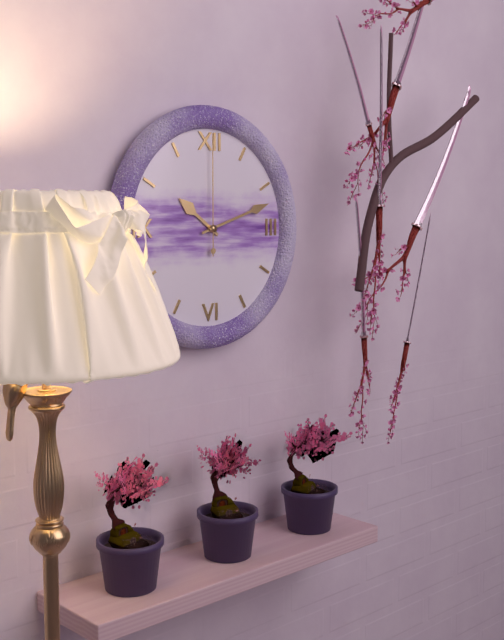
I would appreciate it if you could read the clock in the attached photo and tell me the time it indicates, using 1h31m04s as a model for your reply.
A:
10h12m00s
